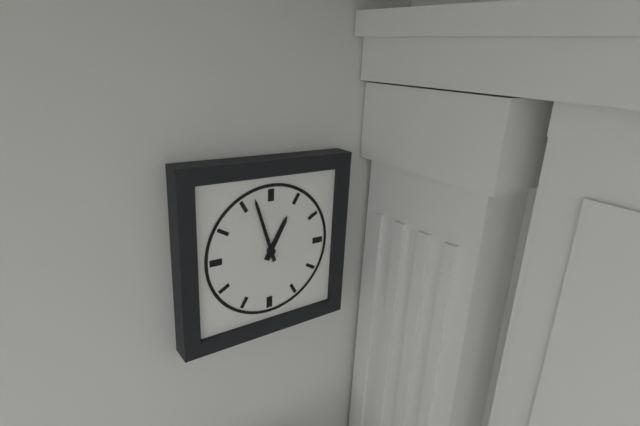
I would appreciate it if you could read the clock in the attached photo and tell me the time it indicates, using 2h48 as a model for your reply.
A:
12h57
